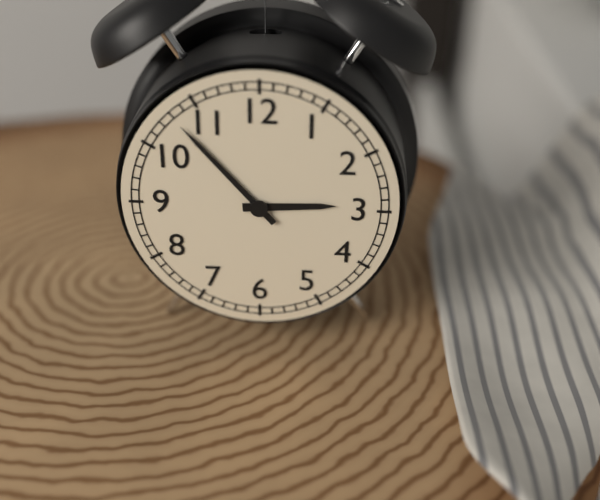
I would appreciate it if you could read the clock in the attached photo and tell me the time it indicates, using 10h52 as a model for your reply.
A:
2h53
